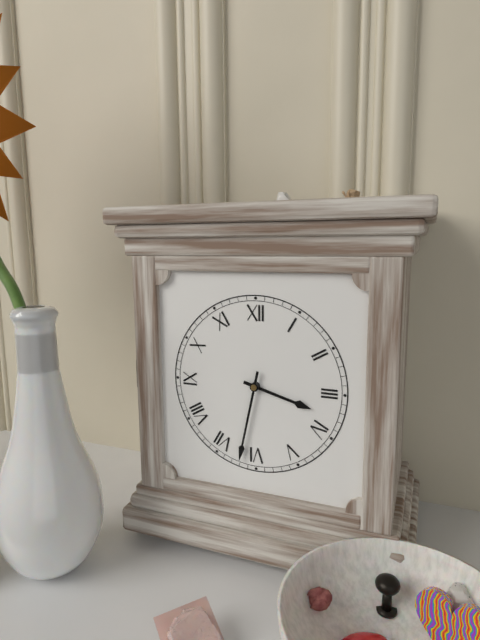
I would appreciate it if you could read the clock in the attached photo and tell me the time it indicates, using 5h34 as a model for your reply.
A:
3h32
